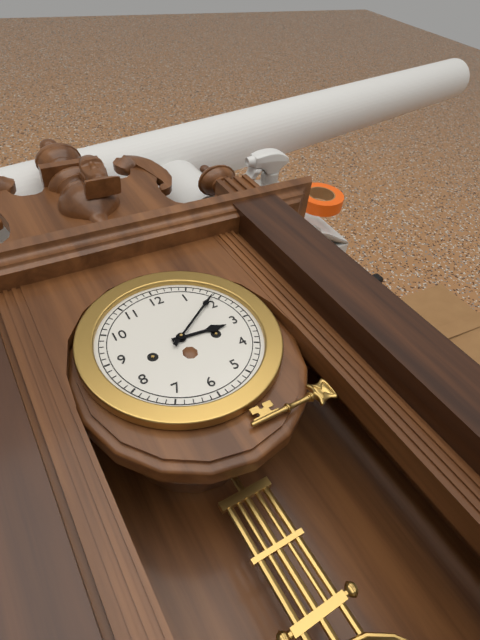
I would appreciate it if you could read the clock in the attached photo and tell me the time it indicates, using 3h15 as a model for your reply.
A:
3h09
